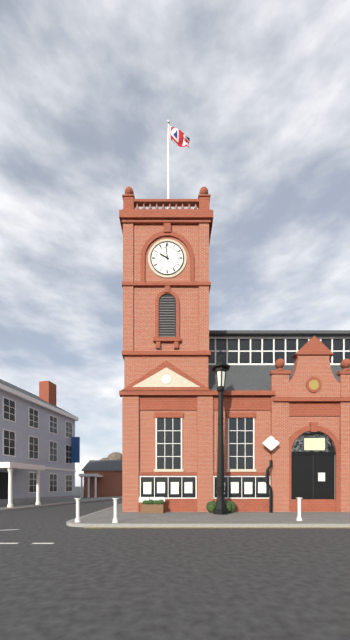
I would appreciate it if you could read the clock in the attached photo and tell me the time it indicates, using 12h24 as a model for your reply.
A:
9h59
